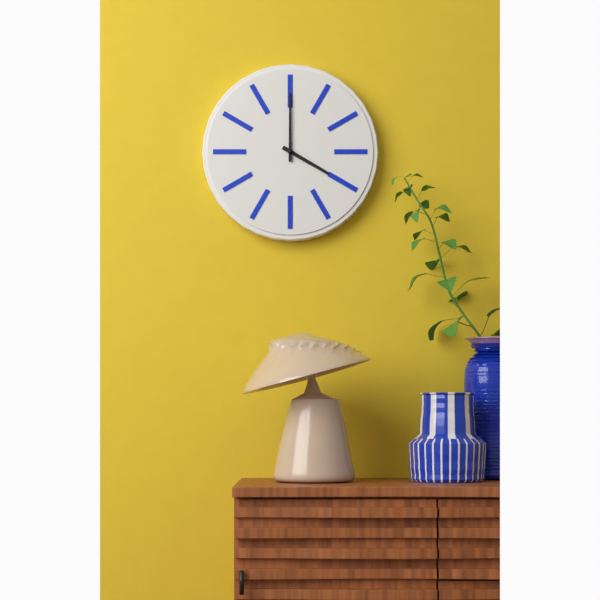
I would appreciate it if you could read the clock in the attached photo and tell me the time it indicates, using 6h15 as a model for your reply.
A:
4h00
